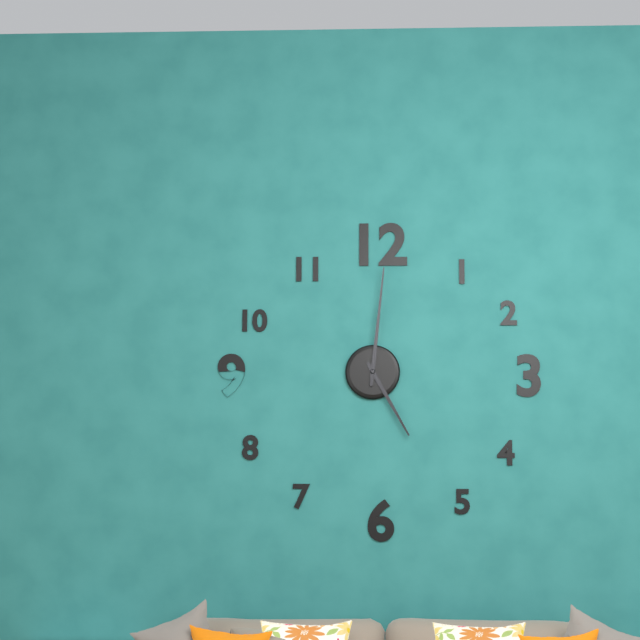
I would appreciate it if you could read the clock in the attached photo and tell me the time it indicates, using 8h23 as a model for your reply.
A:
5h01
